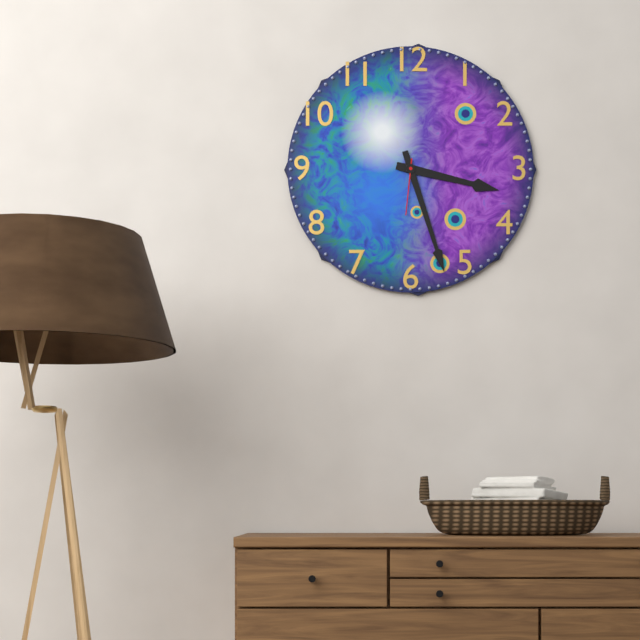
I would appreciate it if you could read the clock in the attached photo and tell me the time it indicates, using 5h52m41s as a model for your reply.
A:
3h27m31s
